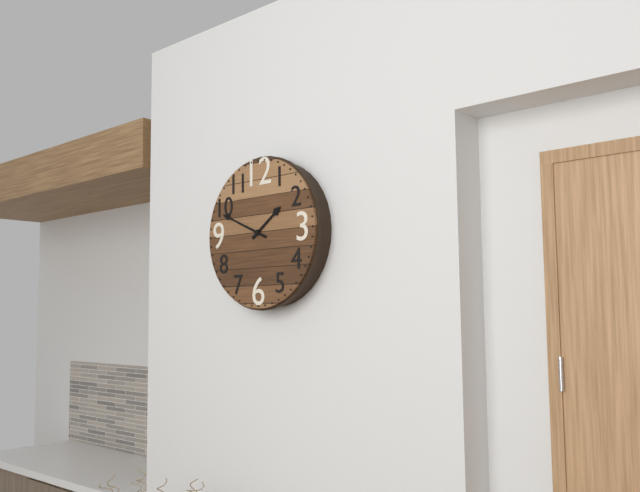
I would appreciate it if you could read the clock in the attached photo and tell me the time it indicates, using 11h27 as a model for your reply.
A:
1h49
